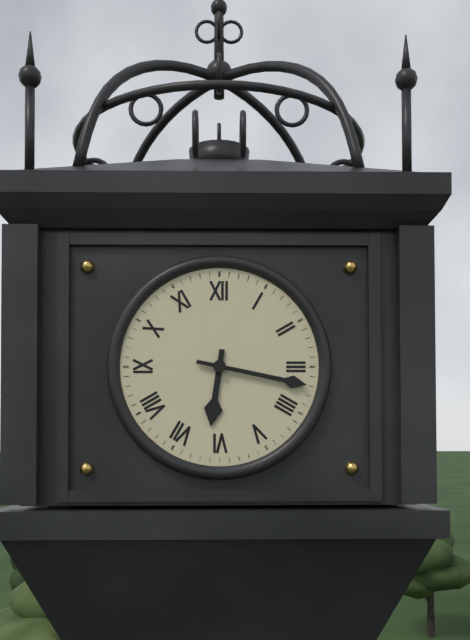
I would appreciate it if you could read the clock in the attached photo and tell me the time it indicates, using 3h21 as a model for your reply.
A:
6h17
